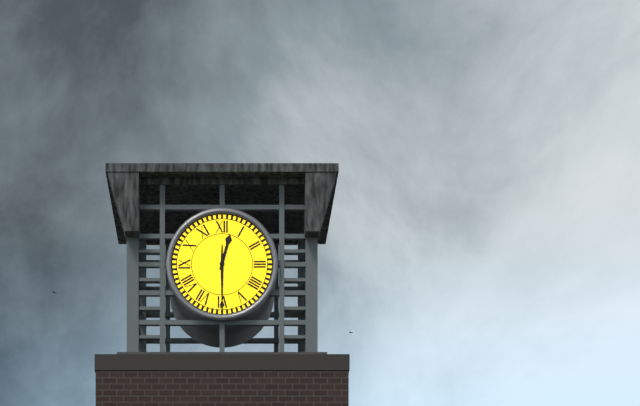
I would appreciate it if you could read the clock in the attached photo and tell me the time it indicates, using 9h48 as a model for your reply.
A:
12h30
